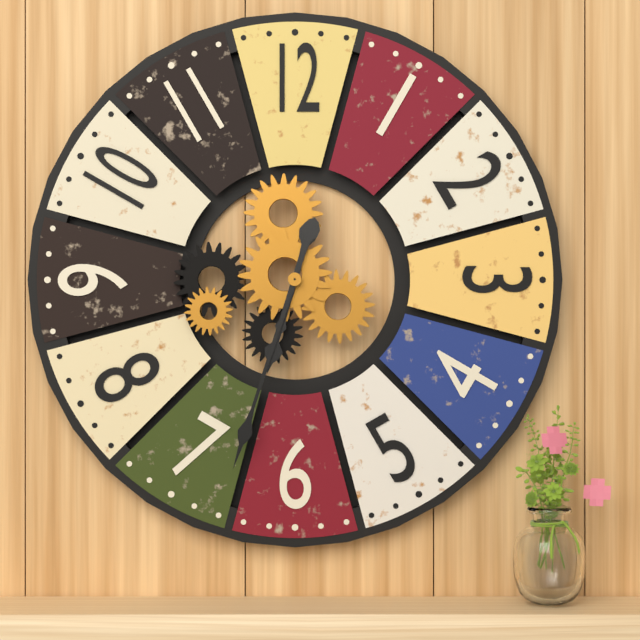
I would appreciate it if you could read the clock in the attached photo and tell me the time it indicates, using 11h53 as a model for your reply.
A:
6h33
